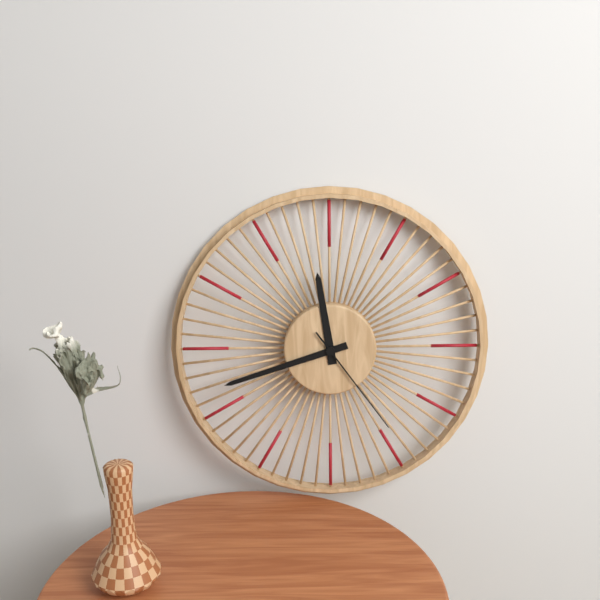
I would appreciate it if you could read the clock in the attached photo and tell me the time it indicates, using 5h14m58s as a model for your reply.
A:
11h42m24s
